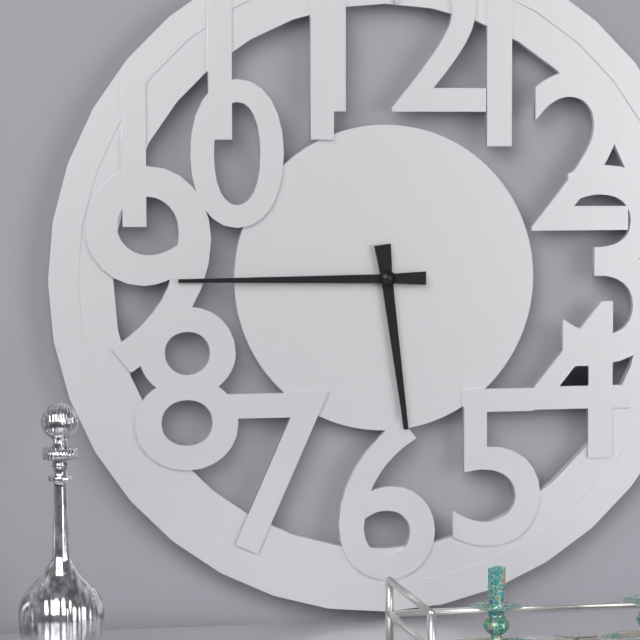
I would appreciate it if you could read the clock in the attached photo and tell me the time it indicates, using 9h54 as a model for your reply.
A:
5h45
